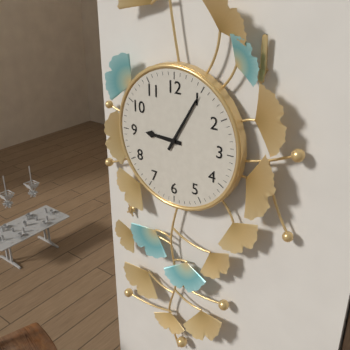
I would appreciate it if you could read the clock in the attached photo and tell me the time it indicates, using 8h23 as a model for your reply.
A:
9h05
